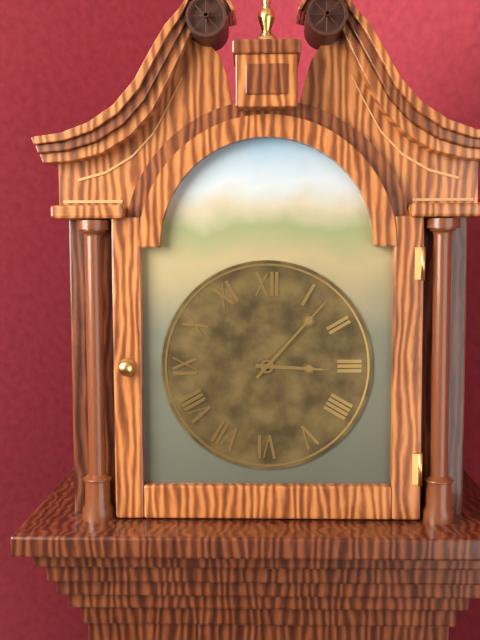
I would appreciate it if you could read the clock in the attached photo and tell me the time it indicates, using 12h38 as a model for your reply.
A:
3h07
